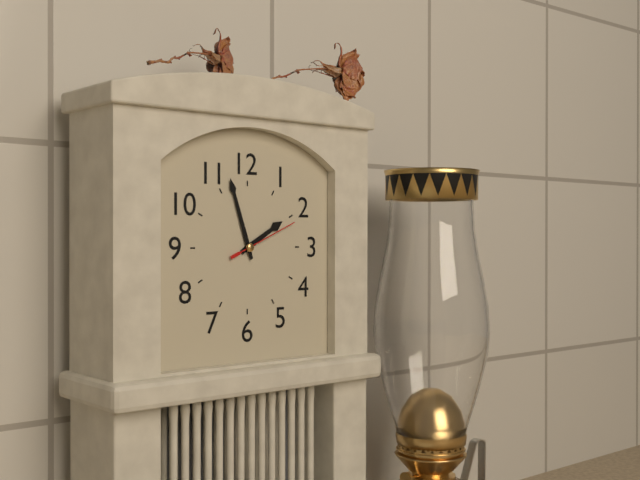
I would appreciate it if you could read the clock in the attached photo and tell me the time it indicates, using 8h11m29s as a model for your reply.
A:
1h57m11s
